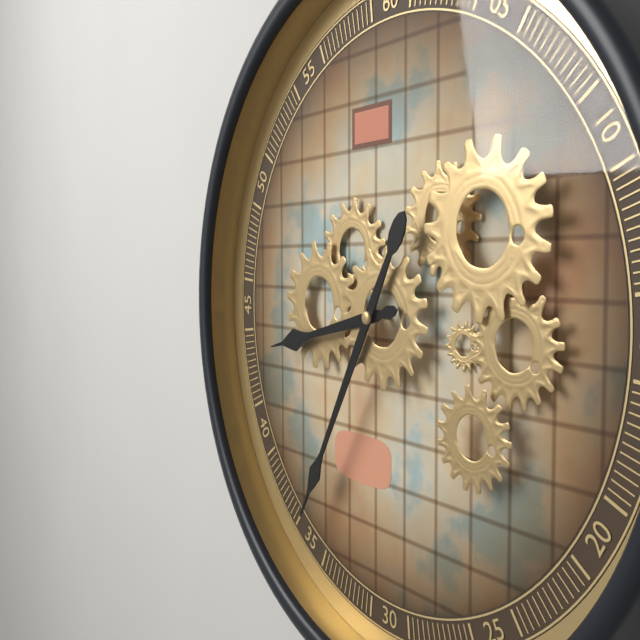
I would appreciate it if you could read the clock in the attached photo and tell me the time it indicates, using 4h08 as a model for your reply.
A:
8h35
